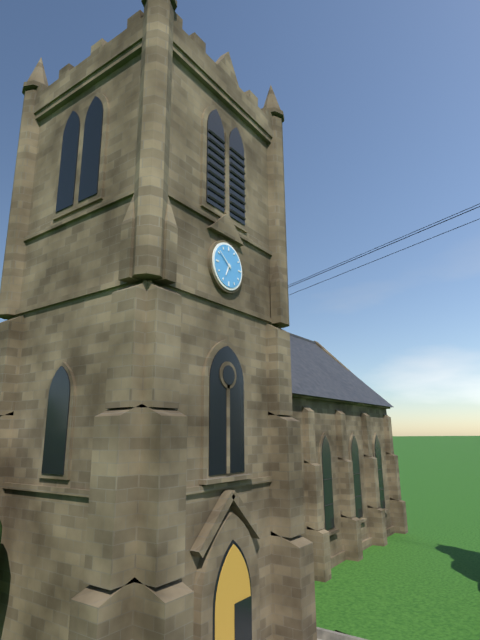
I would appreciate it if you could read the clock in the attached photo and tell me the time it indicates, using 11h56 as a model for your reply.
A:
6h51
